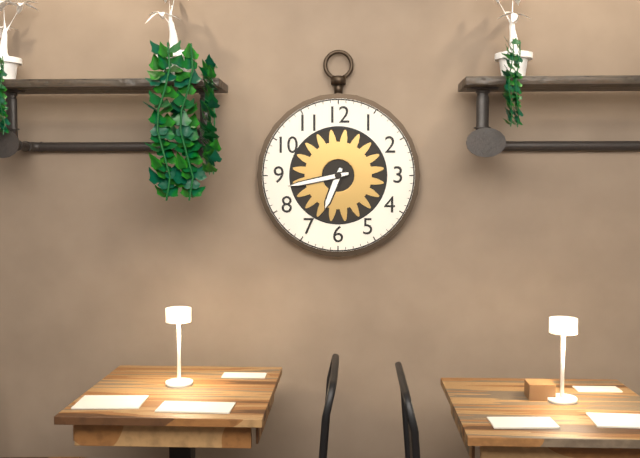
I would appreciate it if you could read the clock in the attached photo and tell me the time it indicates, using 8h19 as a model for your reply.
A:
6h43
